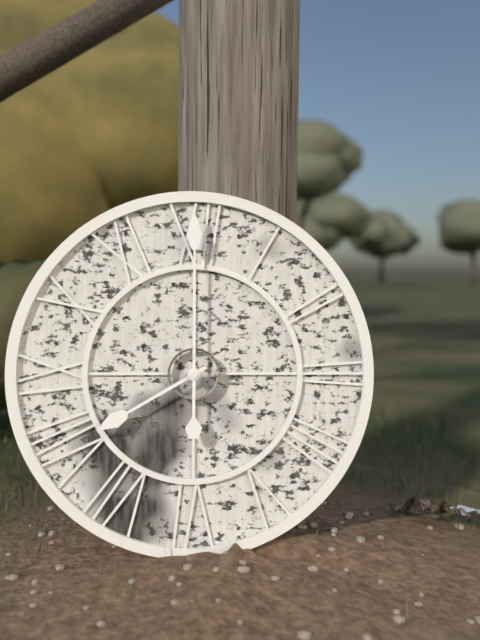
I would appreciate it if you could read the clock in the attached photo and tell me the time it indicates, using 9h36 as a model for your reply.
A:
8h00
